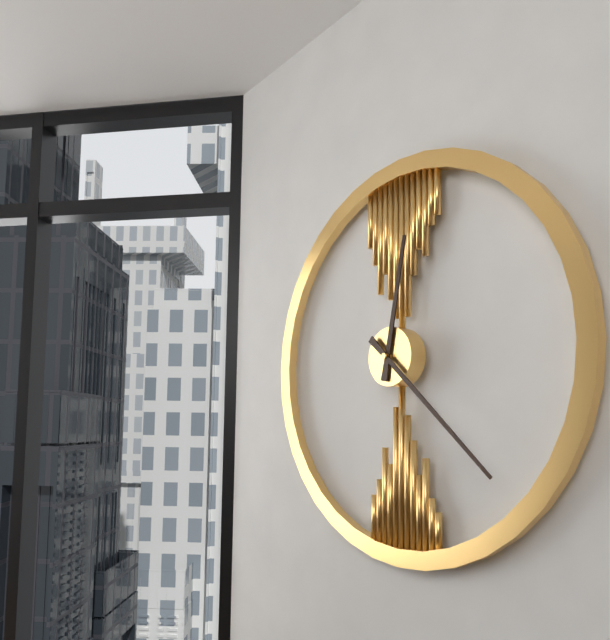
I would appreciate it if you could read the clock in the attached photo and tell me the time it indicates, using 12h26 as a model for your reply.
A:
12h22
